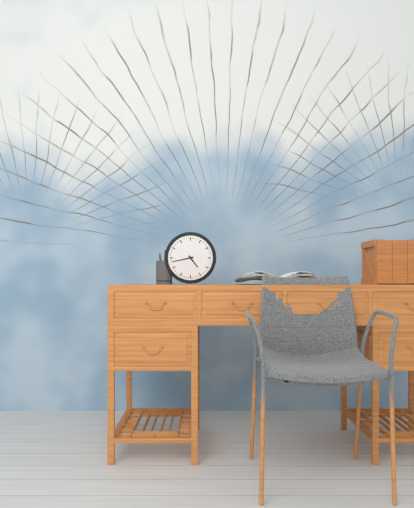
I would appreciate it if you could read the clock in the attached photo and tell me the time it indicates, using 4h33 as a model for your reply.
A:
4h43
